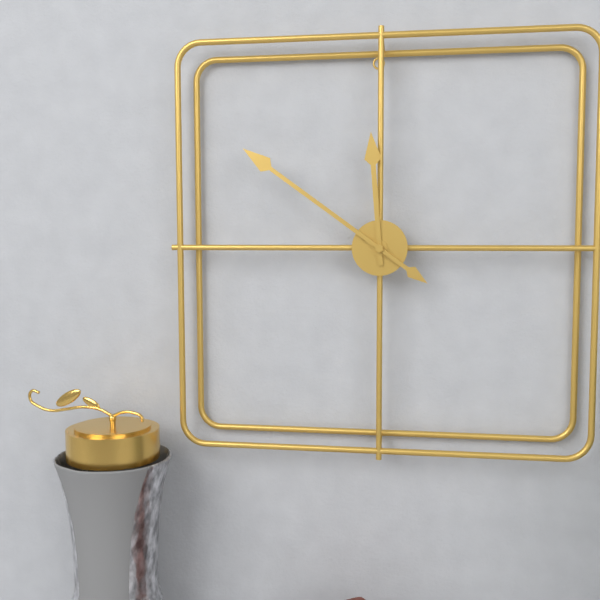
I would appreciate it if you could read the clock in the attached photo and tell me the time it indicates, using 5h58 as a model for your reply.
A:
11h51
